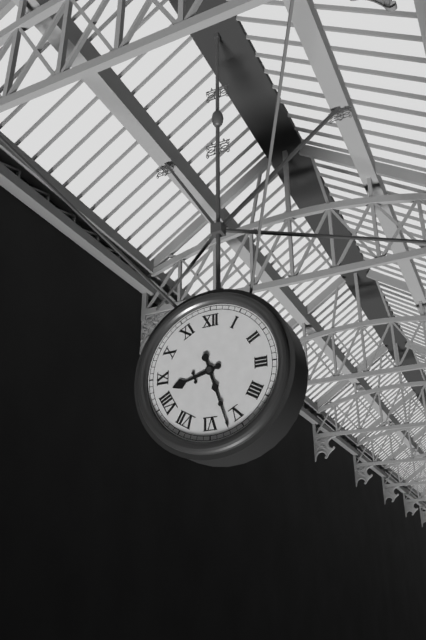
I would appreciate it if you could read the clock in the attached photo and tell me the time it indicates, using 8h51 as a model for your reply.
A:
8h27
